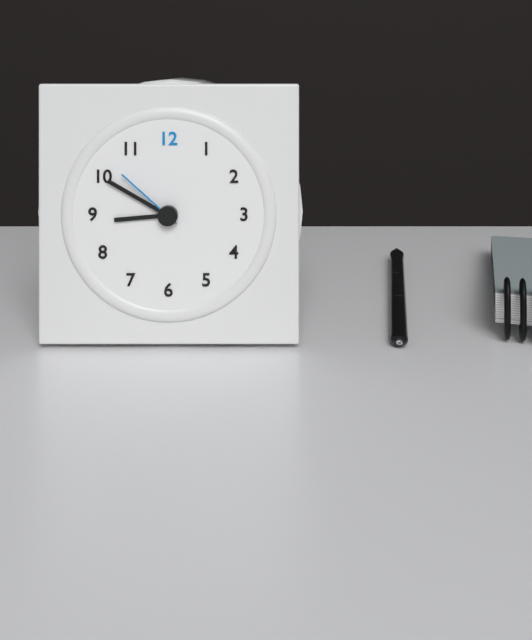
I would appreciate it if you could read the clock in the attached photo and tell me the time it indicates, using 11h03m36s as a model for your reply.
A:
8h50m52s
